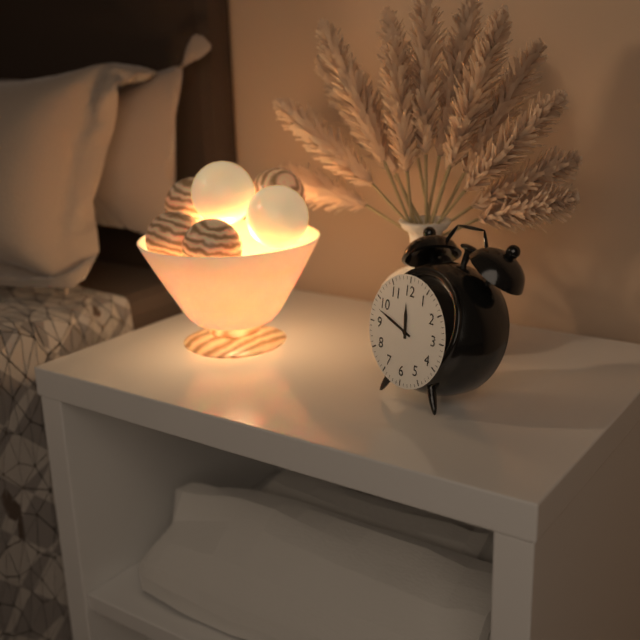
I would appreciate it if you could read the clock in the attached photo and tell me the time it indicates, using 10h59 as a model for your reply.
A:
11h48
